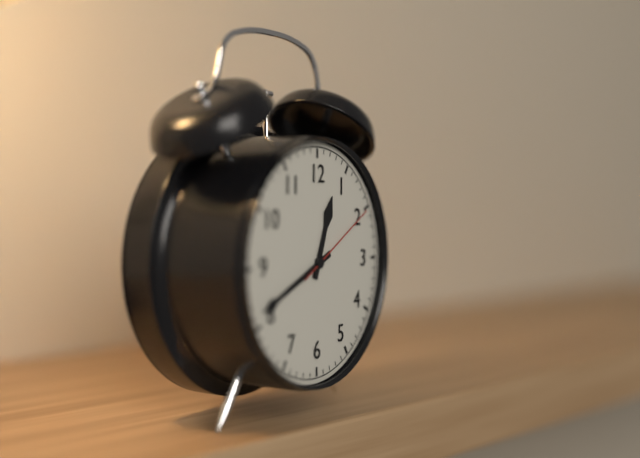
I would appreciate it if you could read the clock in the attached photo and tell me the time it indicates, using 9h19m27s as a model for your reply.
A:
12h41m10s
